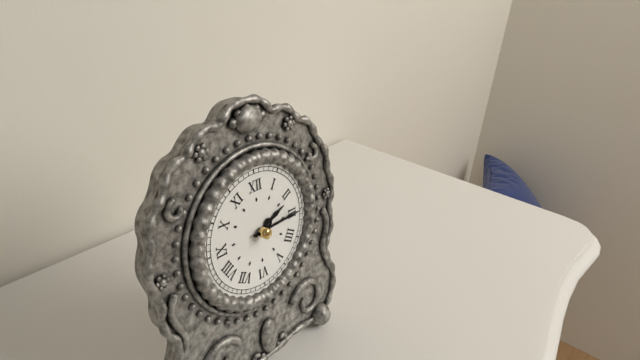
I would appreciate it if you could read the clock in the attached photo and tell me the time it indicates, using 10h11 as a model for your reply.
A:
2h15
